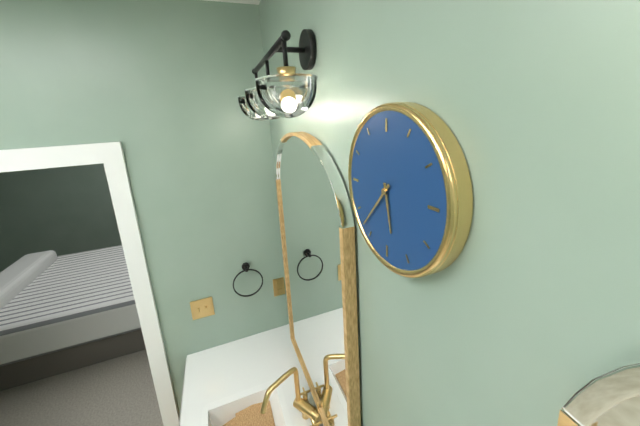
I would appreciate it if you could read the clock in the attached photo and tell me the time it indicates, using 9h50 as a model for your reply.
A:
5h37
